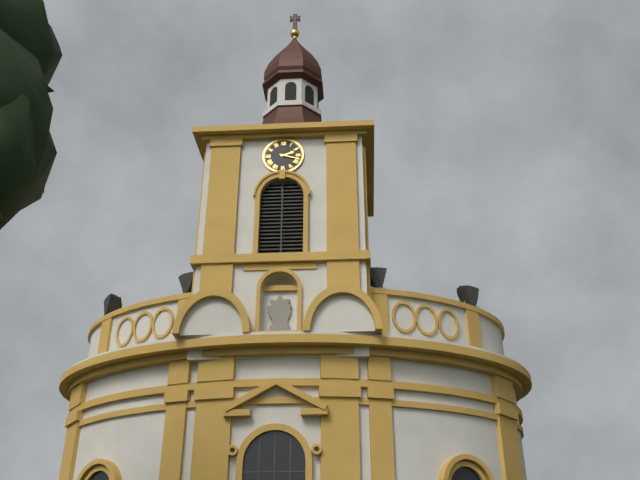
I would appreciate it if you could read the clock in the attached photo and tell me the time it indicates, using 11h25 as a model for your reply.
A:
2h18
